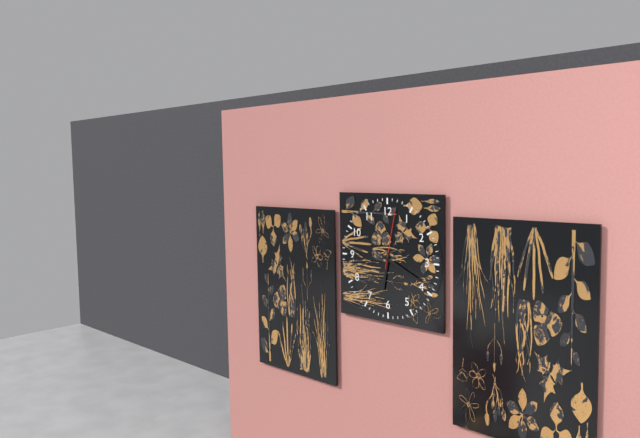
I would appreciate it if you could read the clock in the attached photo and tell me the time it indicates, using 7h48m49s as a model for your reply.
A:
6h19m02s
